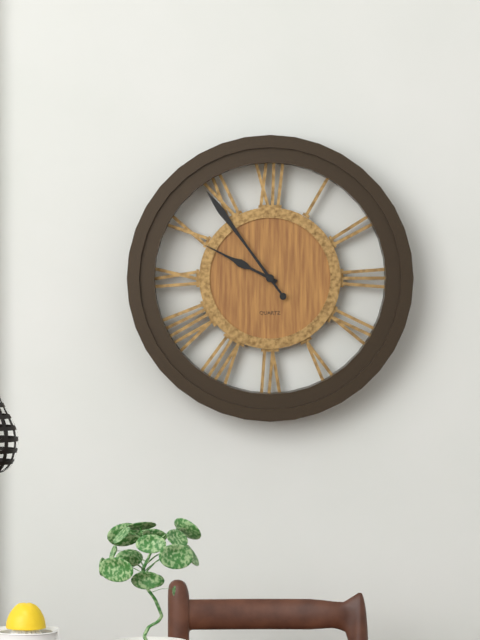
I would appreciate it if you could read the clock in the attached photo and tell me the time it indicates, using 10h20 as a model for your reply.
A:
9h54
